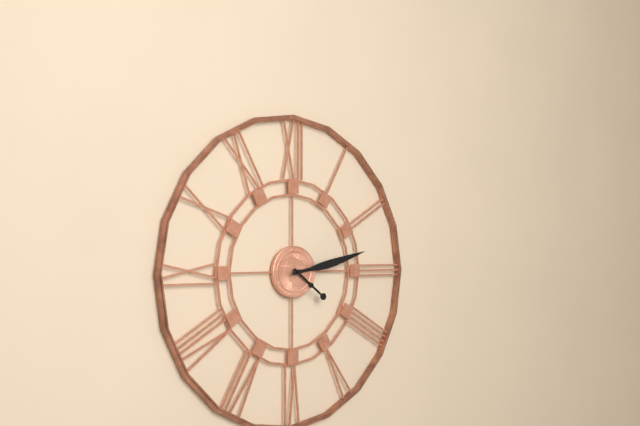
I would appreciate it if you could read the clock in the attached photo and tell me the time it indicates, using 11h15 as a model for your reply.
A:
4h13
